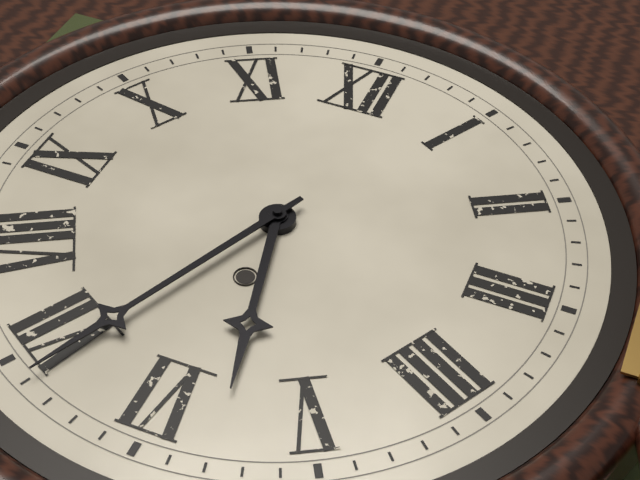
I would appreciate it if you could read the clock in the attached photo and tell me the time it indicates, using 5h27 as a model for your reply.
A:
5h34
